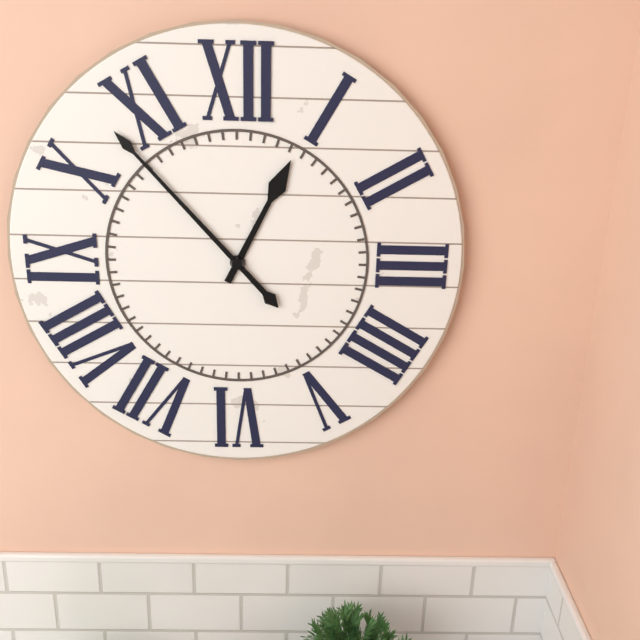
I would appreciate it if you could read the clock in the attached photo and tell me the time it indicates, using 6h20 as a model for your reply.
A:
12h53
